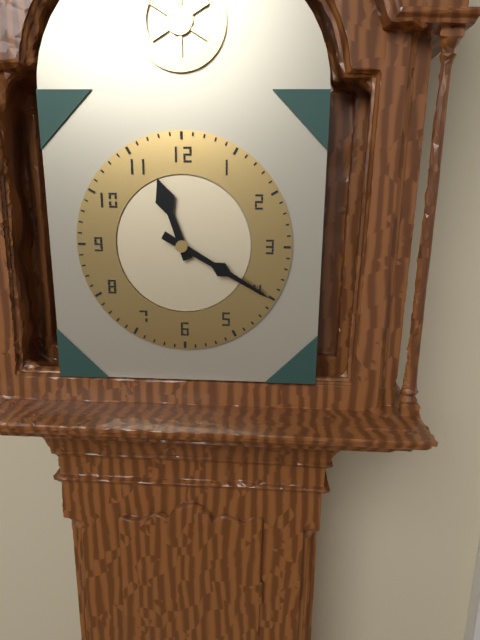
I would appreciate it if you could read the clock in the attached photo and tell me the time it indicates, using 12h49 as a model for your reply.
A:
11h20
